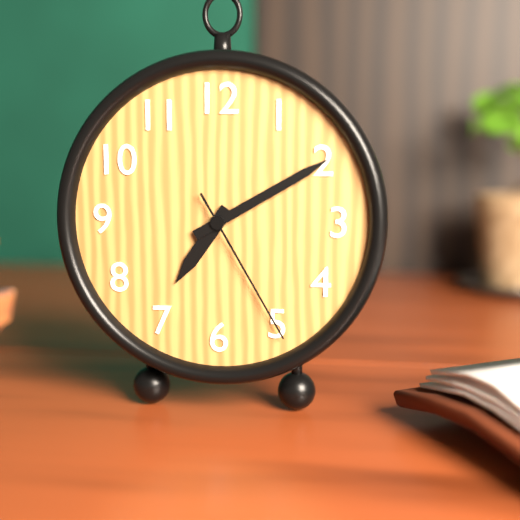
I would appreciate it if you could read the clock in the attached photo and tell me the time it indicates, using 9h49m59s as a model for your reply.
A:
7h10m25s
